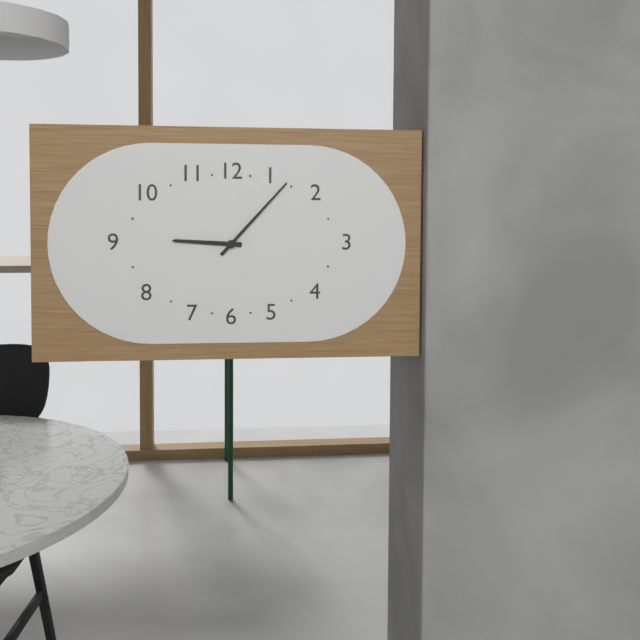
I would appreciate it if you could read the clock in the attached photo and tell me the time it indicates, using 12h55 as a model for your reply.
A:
9h07
